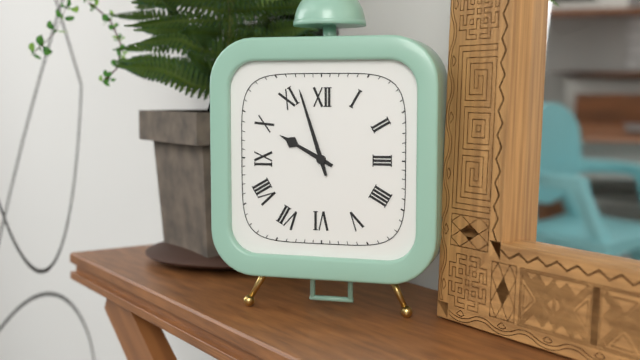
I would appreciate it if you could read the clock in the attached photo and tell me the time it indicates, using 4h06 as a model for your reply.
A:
9h57
